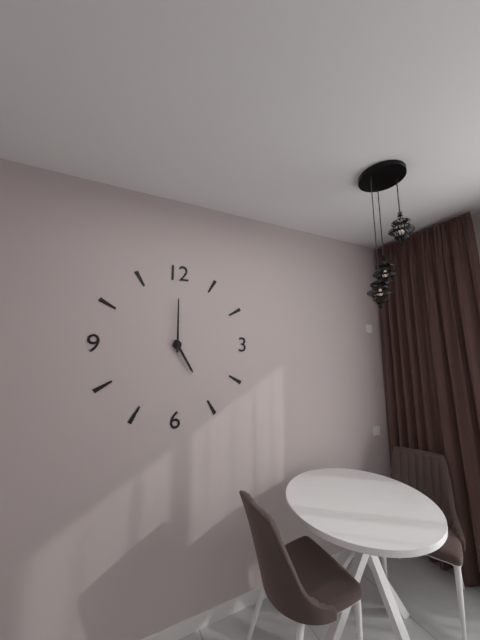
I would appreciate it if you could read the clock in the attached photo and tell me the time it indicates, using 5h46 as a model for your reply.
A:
5h00
